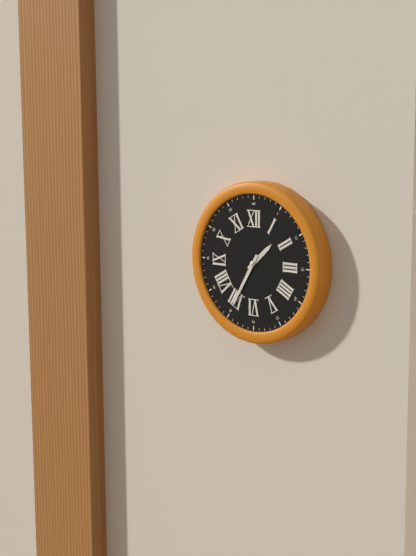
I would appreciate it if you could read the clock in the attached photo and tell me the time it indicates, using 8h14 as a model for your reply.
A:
1h35
